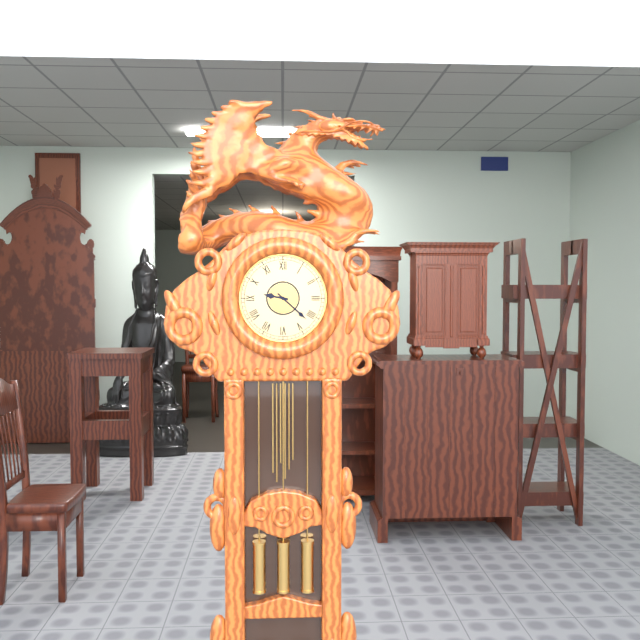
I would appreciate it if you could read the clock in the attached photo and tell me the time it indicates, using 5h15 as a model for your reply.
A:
9h22
